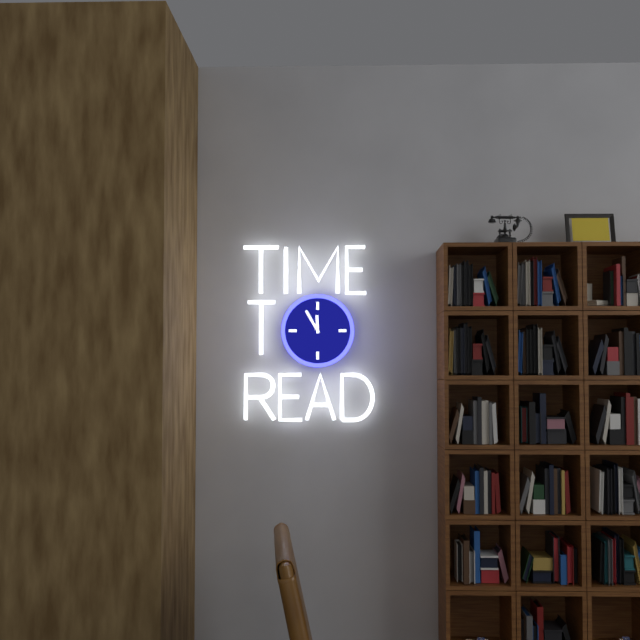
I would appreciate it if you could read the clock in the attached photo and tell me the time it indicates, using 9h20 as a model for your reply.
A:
11h55
